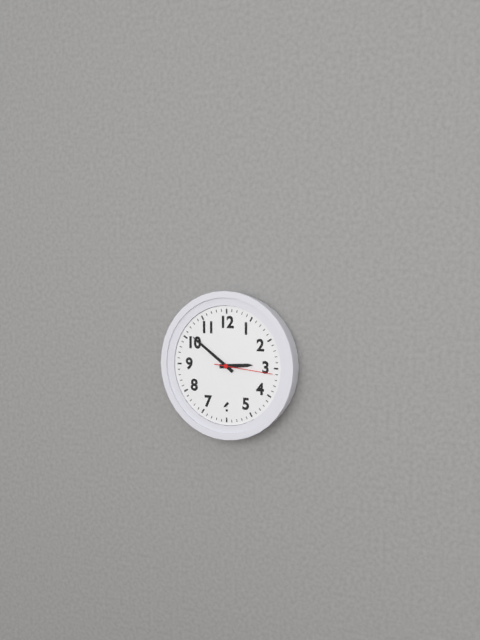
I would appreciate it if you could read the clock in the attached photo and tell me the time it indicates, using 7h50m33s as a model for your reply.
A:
2h51m16s
